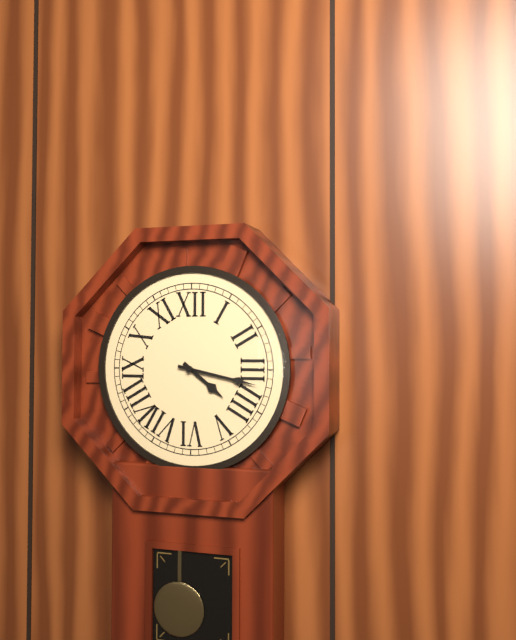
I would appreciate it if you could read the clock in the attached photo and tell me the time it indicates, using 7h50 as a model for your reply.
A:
4h17
